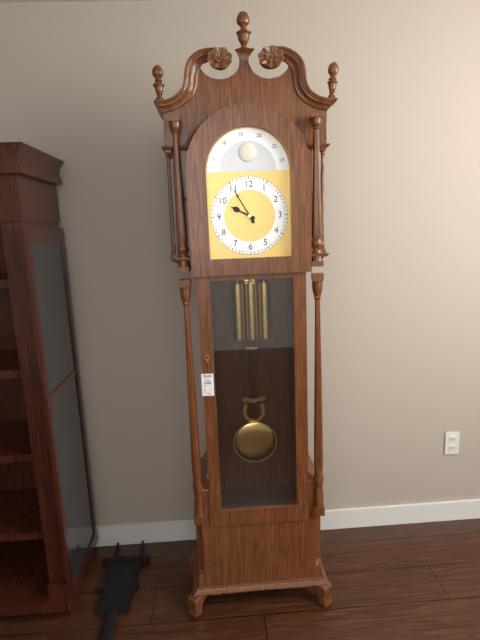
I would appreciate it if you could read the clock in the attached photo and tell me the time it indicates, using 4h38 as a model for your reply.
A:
9h55
